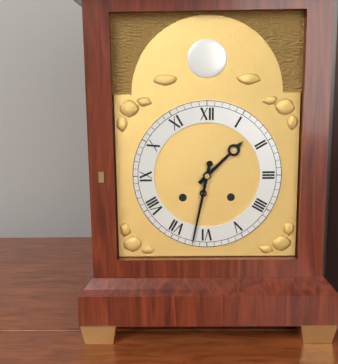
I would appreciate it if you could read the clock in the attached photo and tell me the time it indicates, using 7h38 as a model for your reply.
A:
1h32
